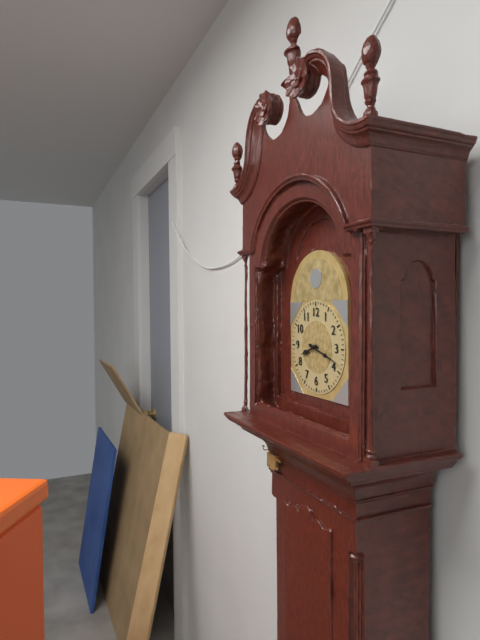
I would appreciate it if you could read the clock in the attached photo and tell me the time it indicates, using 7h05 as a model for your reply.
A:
8h18
